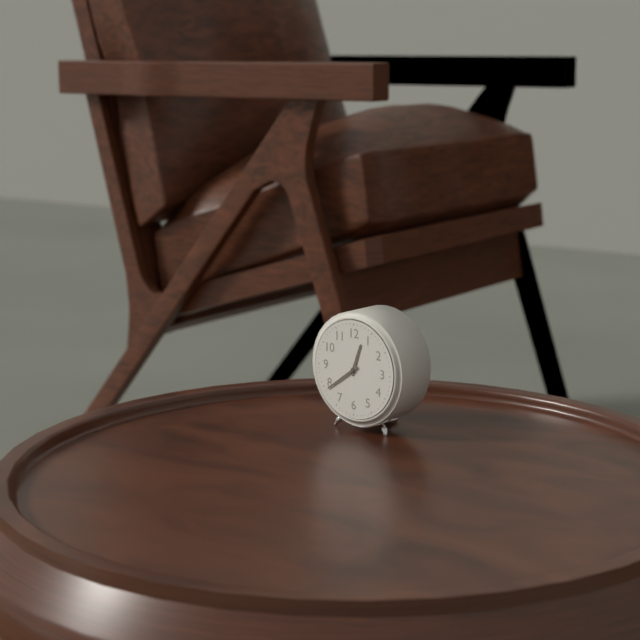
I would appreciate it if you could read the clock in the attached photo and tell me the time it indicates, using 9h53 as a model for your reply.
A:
12h39
